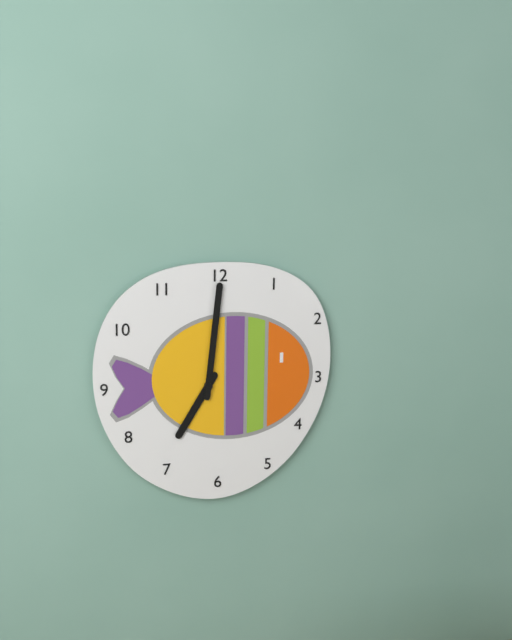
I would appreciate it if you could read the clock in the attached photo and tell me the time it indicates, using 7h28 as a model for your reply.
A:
7h01
